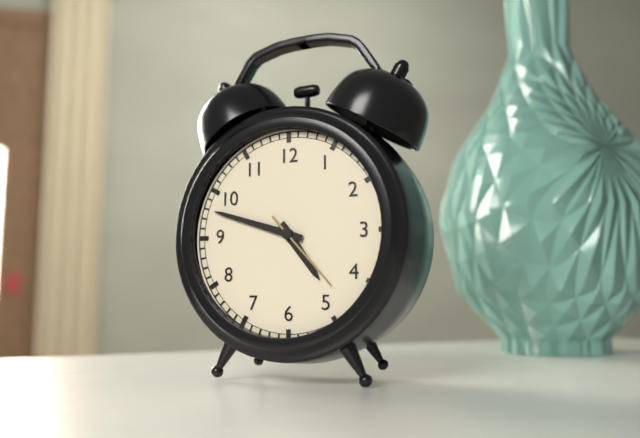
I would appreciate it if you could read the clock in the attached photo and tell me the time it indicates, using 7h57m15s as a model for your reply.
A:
4h48m23s
